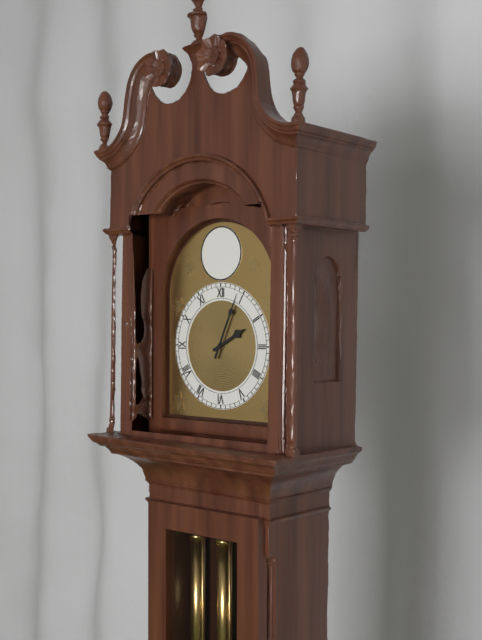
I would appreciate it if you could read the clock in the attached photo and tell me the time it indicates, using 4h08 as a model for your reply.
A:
2h04
